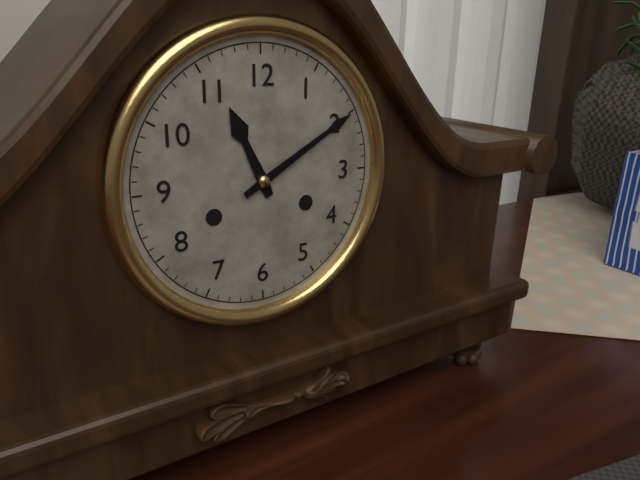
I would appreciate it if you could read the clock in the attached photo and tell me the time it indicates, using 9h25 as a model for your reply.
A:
11h10
